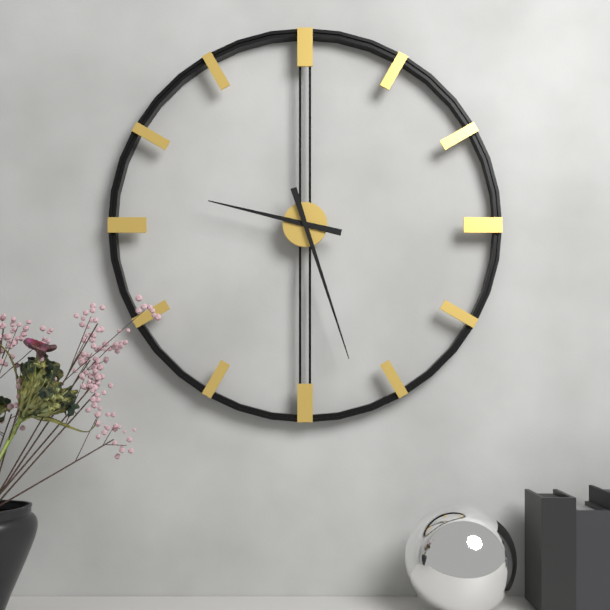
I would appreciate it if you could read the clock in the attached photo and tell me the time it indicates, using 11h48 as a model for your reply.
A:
9h27
